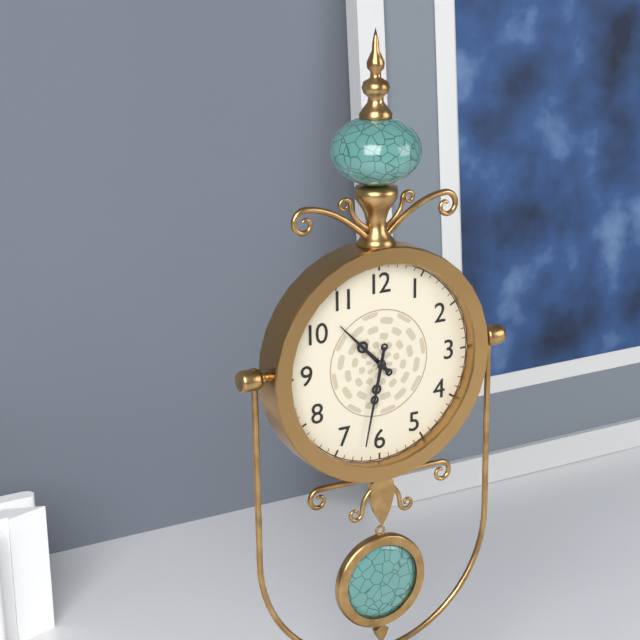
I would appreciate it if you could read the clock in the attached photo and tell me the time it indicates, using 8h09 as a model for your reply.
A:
10h32
